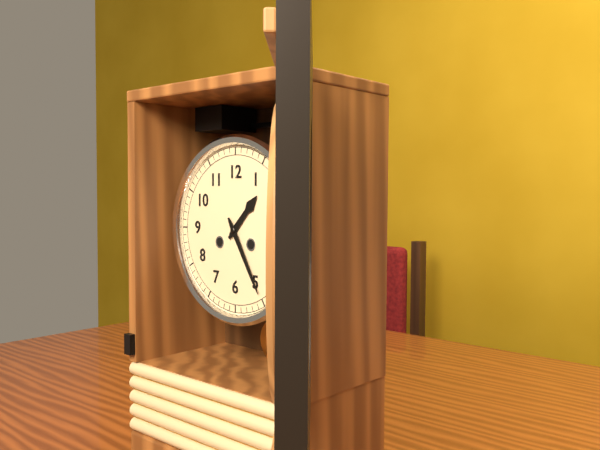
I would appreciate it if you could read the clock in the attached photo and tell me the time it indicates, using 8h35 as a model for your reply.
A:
1h25
